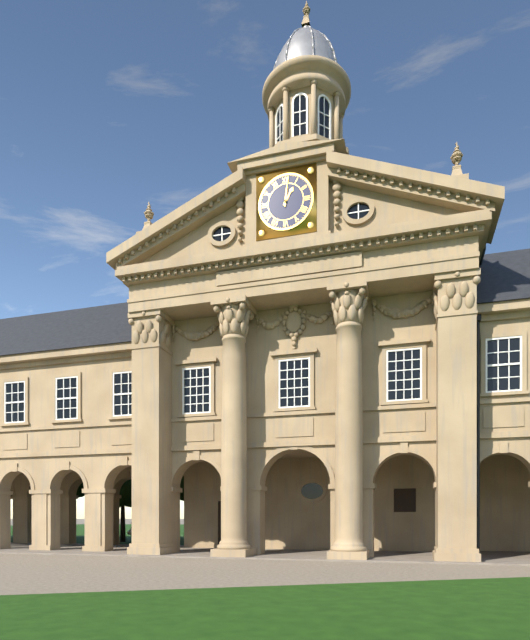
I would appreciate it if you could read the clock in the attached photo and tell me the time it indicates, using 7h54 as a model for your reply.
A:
1h01
